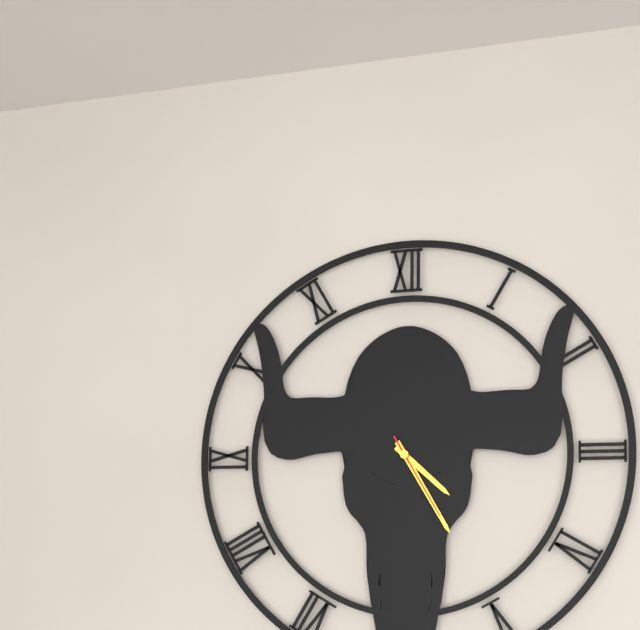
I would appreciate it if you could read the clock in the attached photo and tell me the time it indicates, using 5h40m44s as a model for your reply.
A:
4h25m25s
